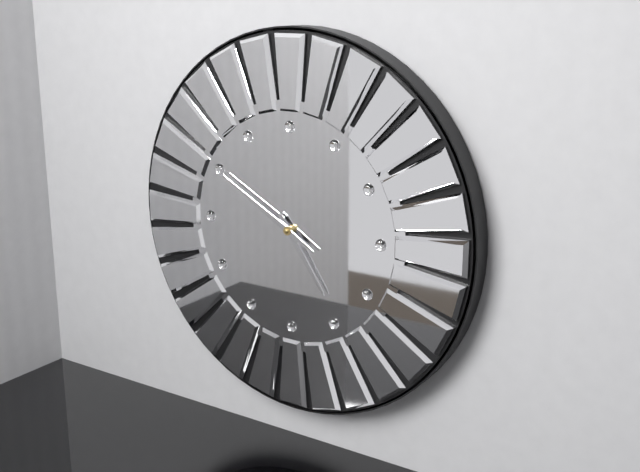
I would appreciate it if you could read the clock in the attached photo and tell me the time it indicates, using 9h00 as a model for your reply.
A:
4h50
